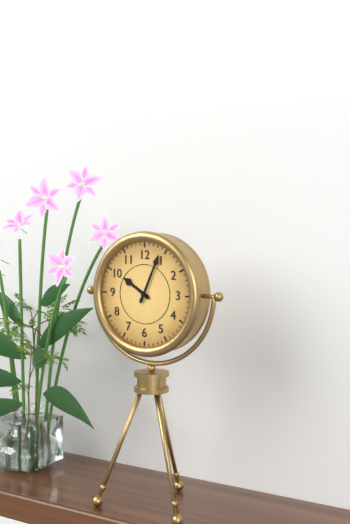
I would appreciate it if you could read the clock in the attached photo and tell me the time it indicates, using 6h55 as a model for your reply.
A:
10h04
